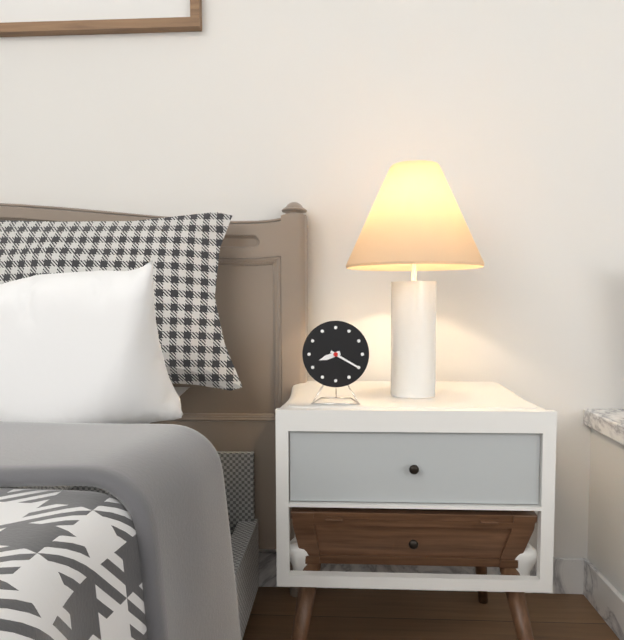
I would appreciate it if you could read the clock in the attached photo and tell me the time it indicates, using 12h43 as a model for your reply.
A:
8h20
